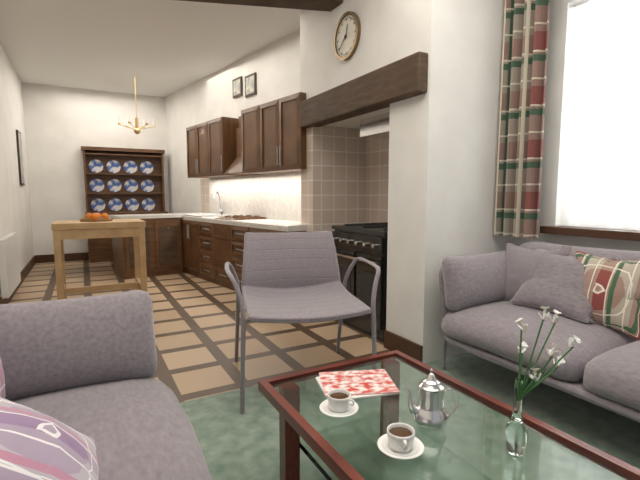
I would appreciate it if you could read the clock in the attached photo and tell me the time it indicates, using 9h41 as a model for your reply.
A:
12h38
